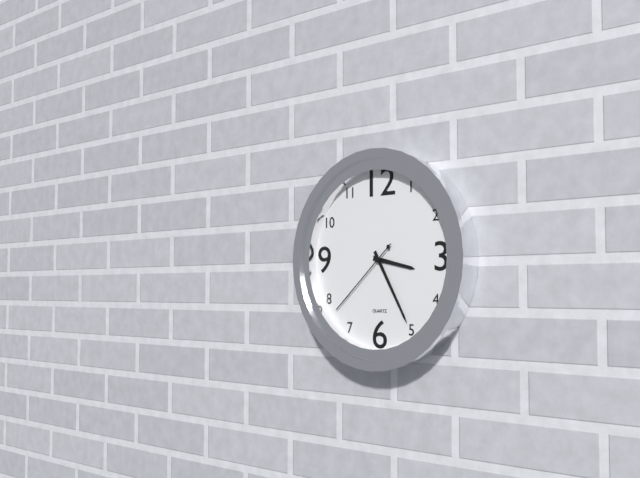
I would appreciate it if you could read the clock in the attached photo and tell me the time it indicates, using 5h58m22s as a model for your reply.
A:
3h25m38s
